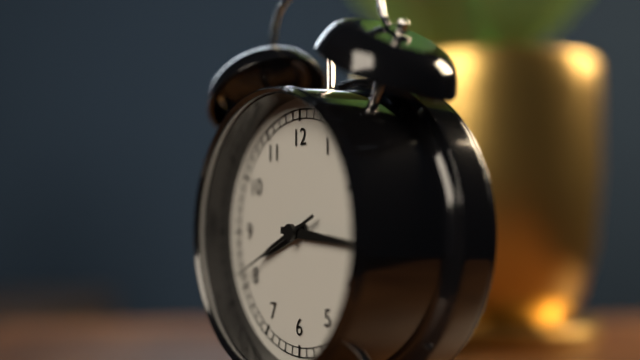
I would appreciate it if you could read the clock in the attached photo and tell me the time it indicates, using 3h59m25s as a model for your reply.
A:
8h16m41s
